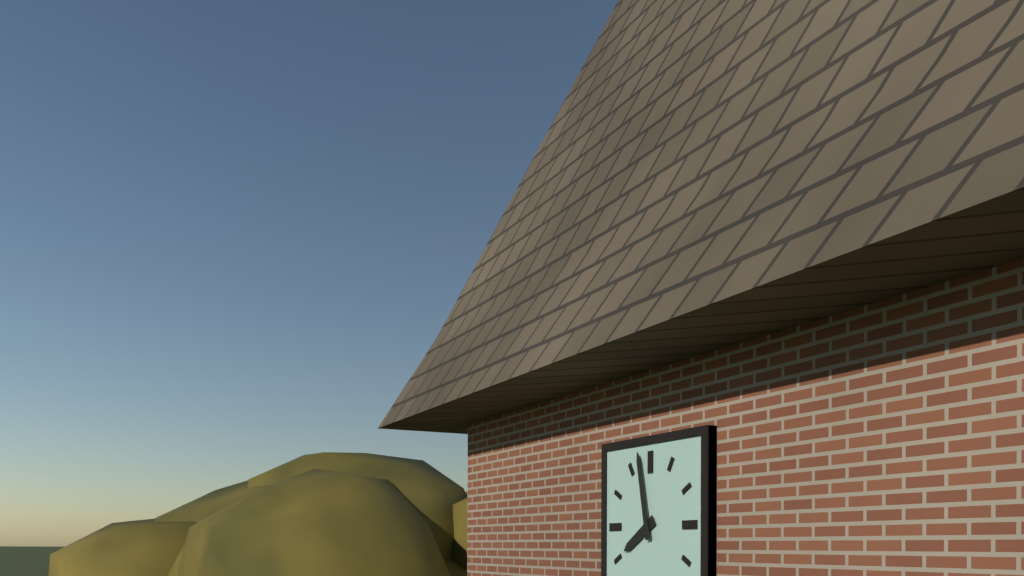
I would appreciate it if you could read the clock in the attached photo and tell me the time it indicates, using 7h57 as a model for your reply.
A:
7h58
